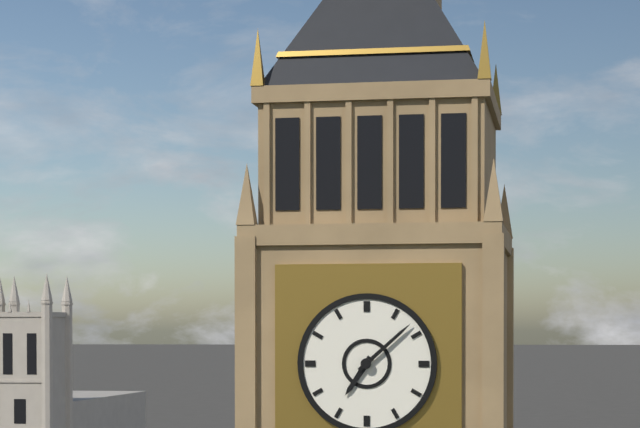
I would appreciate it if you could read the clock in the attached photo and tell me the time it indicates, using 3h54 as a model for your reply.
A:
7h08
